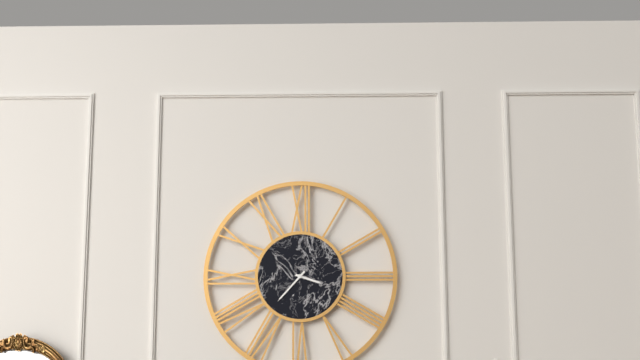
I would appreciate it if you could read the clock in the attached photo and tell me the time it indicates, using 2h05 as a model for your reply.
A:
3h37
